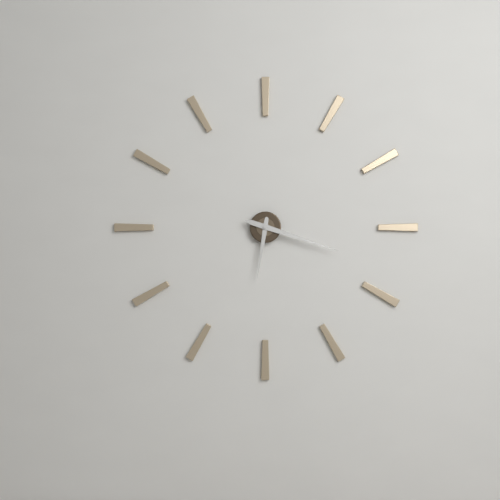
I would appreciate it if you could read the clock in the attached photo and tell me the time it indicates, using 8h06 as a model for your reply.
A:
6h18
